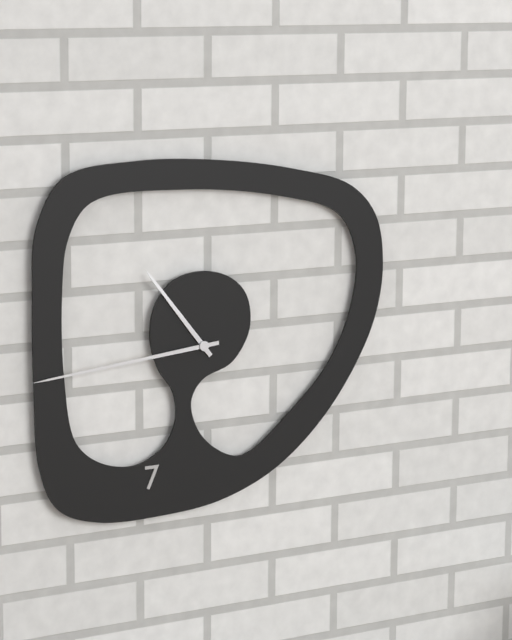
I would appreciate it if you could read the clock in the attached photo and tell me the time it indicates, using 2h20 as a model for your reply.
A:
10h44
